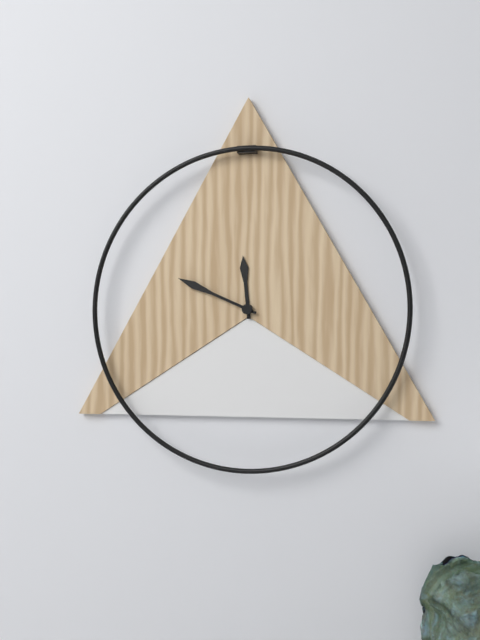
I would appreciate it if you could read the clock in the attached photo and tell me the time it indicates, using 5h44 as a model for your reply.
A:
11h49
